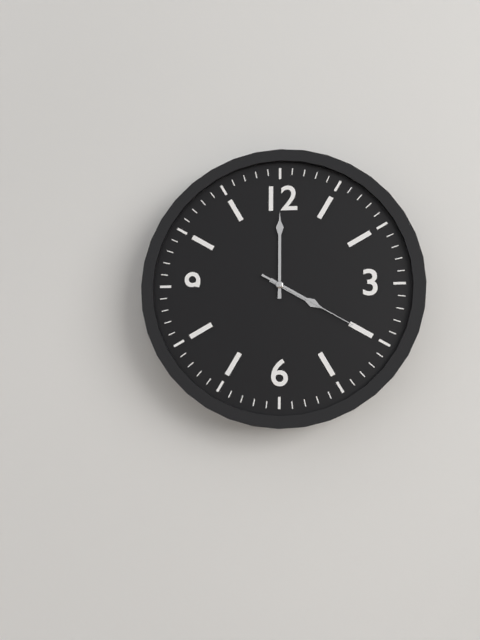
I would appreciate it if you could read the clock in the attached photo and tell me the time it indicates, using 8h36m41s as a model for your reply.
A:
4h00m20s
